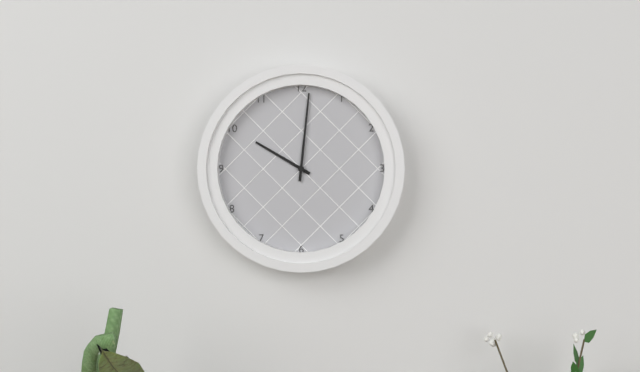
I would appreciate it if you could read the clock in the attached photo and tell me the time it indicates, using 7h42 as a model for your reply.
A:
10h01
